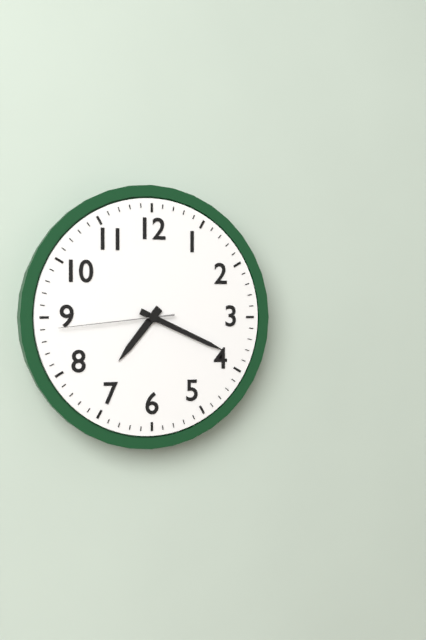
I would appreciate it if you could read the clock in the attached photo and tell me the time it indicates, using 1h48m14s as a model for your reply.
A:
7h19m44s
